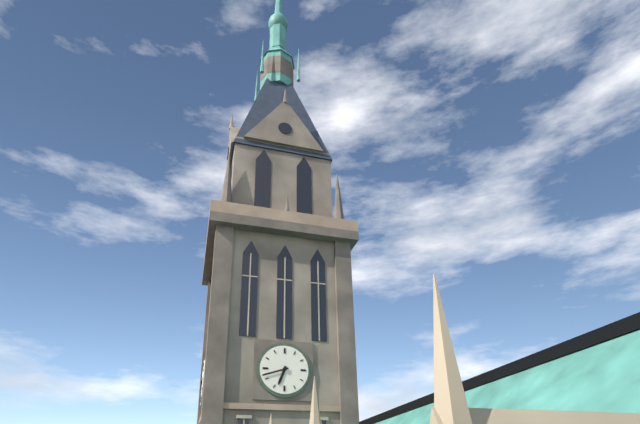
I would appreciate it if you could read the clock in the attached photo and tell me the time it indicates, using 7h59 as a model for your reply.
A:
6h42
